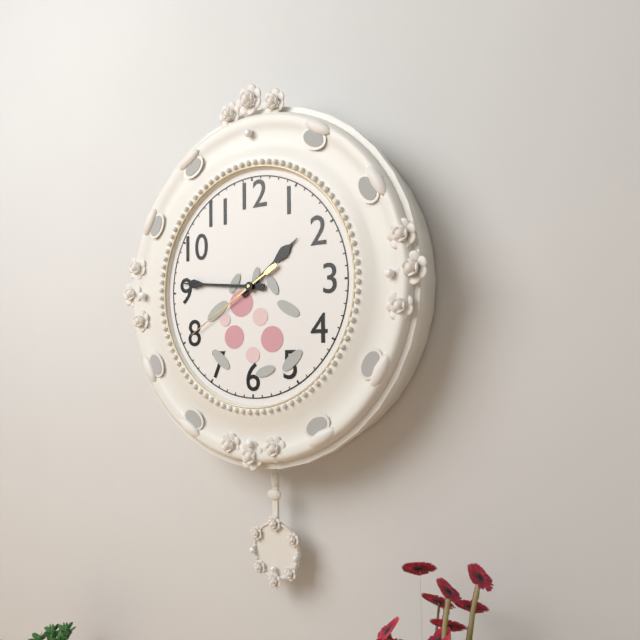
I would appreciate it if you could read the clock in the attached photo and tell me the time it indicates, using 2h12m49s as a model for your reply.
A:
1h46m40s
